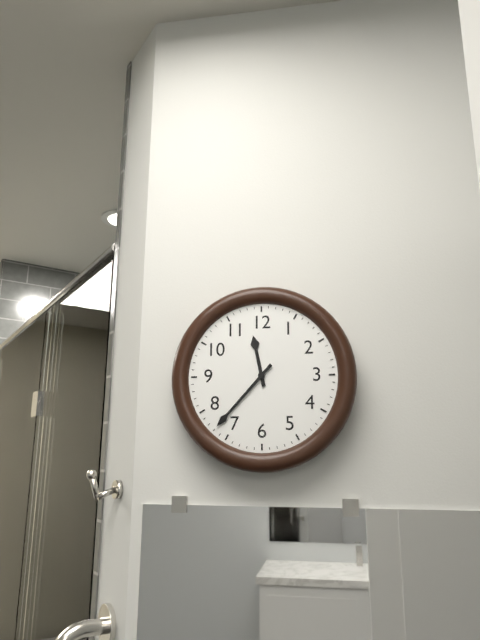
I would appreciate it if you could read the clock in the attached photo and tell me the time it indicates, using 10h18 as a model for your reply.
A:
11h37
